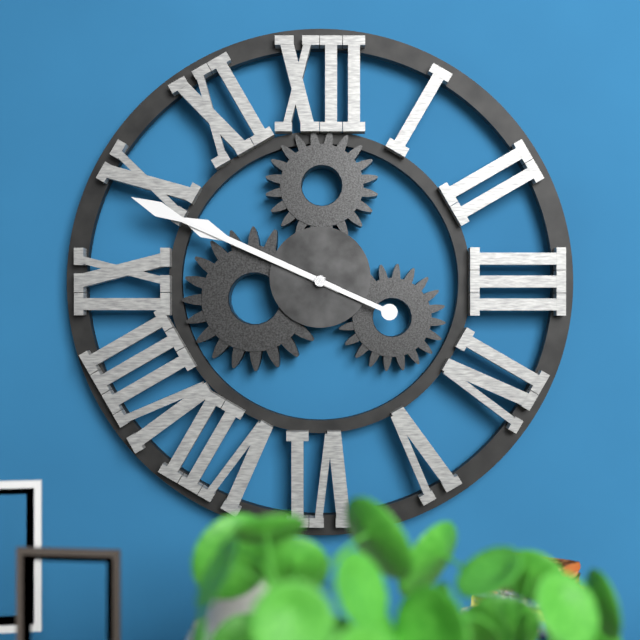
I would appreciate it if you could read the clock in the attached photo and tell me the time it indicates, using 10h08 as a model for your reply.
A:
9h49
